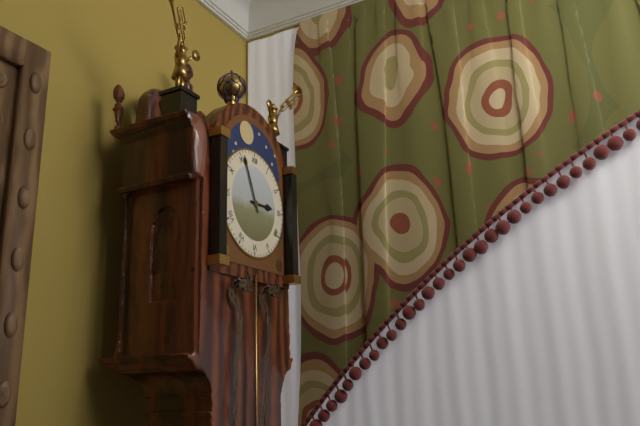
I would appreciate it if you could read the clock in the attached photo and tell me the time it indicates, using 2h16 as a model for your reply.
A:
2h56
